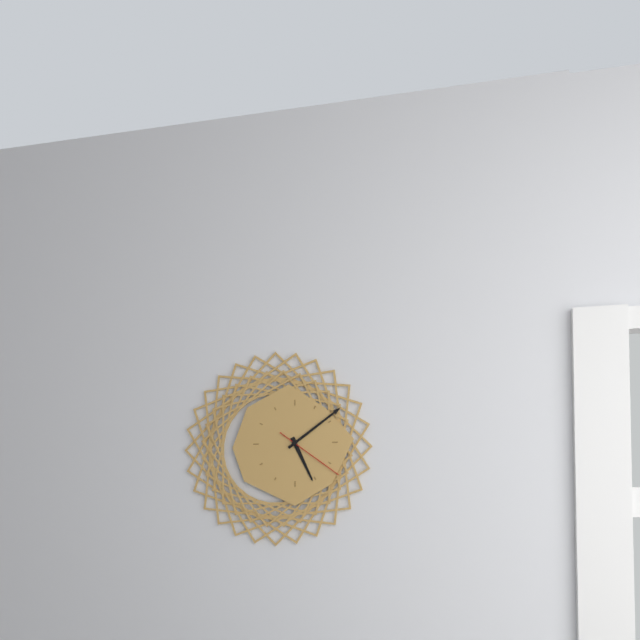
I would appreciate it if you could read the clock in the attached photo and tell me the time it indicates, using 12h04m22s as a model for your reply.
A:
5h09m21s
